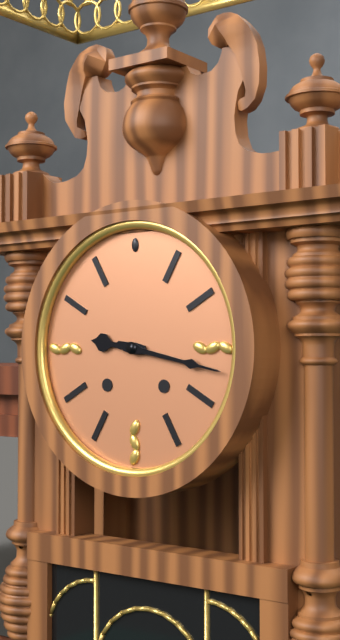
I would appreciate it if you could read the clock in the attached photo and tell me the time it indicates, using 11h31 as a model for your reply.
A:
9h17
